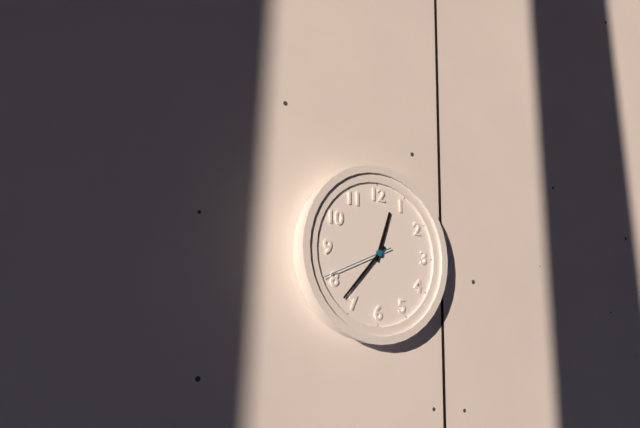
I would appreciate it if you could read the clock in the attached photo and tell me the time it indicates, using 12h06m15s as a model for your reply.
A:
12h37m41s
